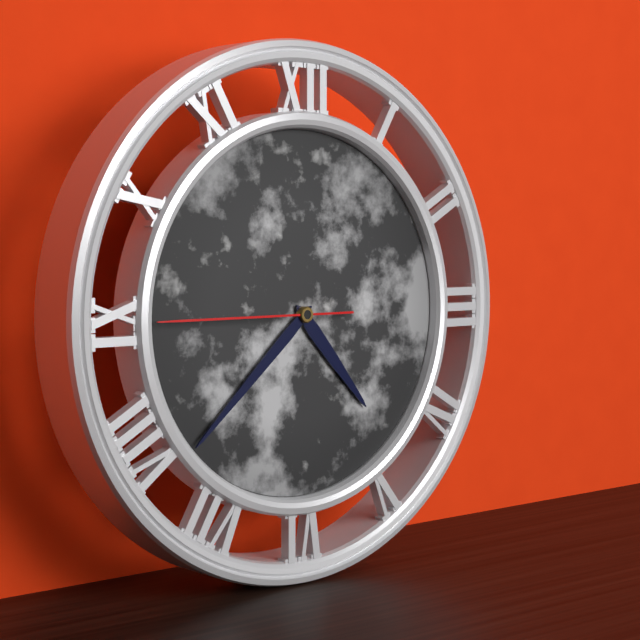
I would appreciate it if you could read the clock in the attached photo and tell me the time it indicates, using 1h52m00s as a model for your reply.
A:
4h38m45s
